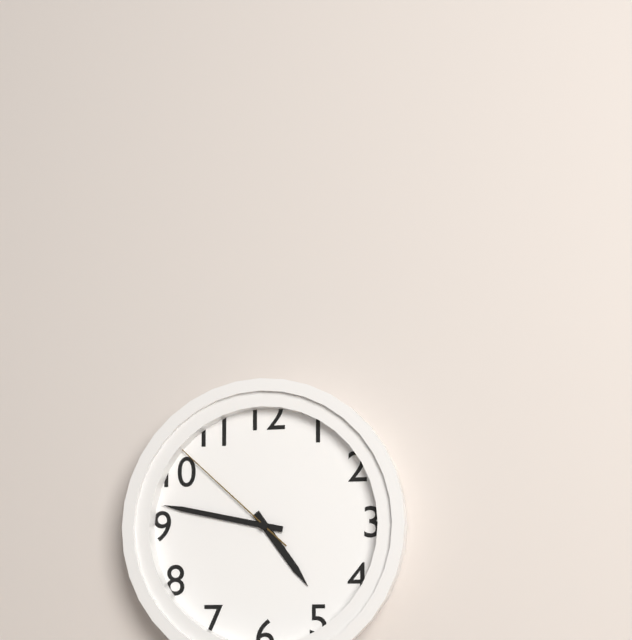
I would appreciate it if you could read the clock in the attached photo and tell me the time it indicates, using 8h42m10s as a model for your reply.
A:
4h47m52s
